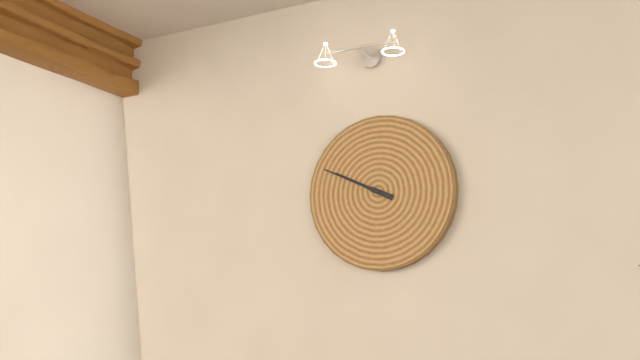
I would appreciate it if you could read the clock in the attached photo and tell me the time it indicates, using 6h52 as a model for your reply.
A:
9h49
